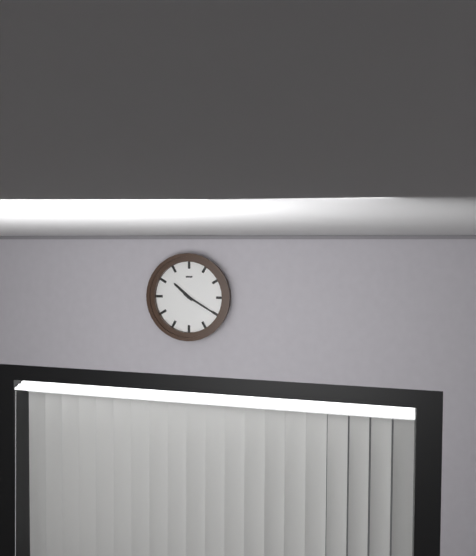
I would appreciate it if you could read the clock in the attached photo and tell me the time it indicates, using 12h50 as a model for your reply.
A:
10h20
